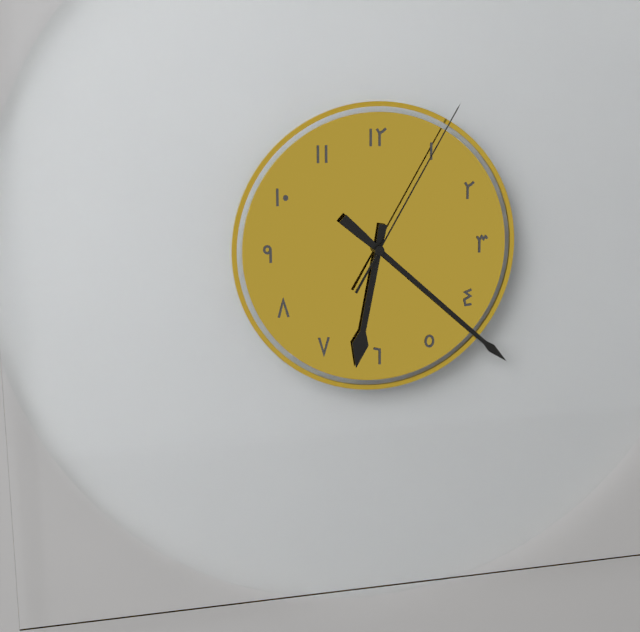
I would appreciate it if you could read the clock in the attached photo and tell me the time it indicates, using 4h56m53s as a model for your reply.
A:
6h22m05s
